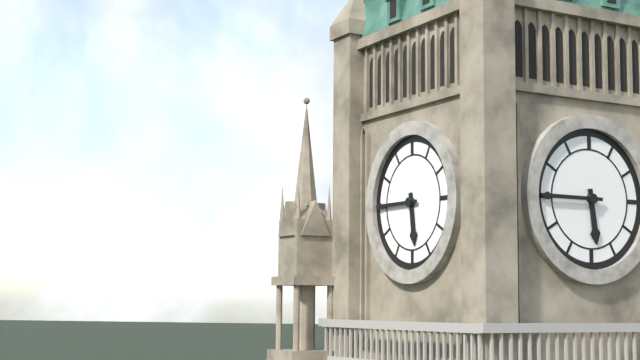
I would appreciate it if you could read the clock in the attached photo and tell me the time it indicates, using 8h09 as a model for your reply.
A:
5h45
